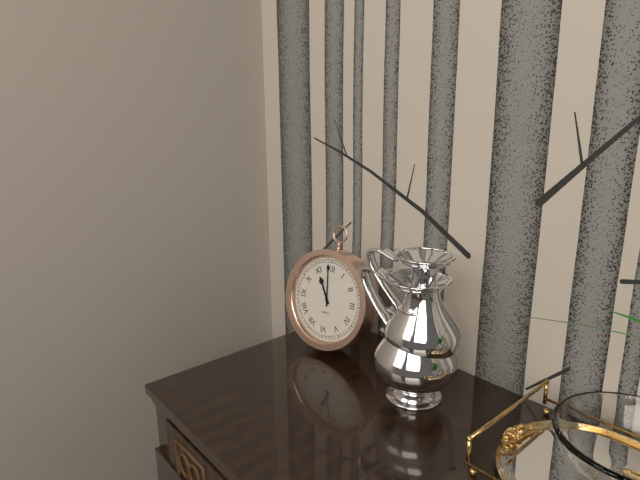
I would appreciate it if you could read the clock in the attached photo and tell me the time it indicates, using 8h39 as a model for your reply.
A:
10h59
